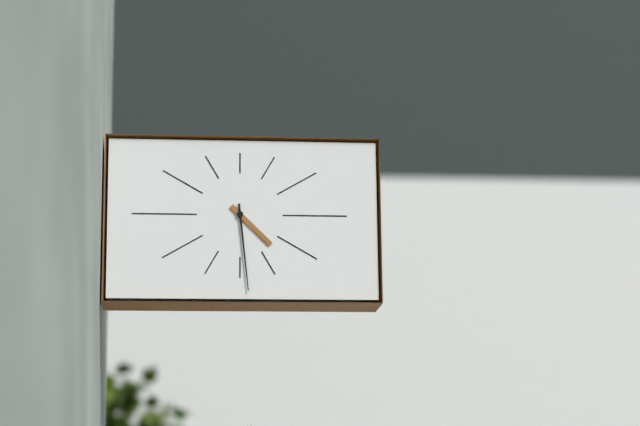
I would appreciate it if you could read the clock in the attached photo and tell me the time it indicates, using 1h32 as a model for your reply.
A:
4h29
